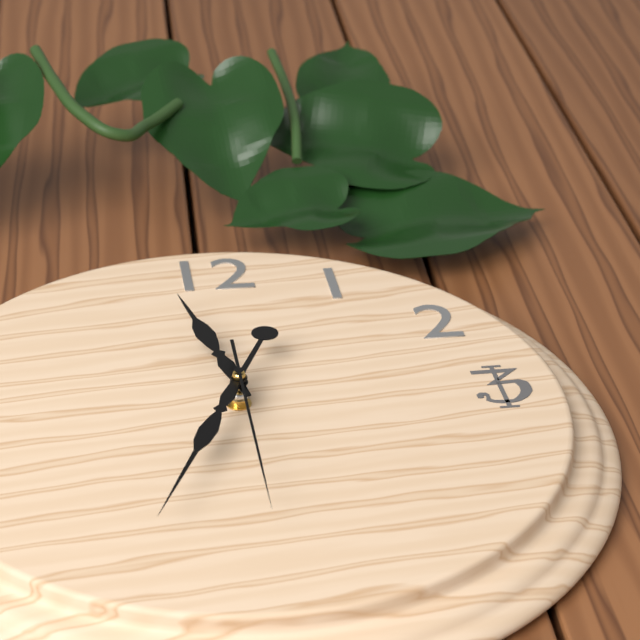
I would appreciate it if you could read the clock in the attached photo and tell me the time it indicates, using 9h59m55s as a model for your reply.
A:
11h34m30s
